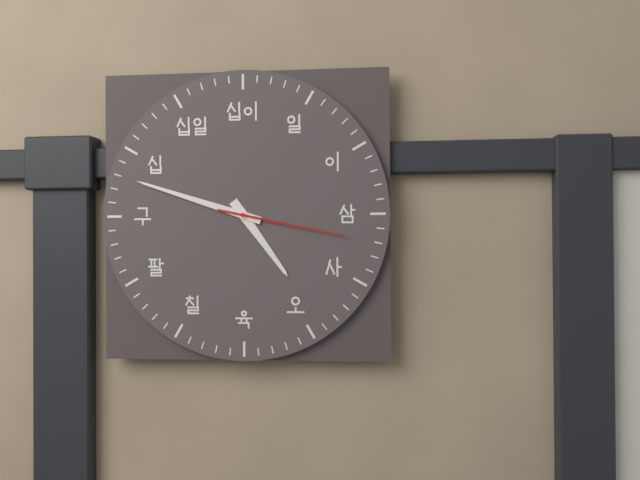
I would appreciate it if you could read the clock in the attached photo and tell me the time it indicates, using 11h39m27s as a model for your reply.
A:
4h48m17s
